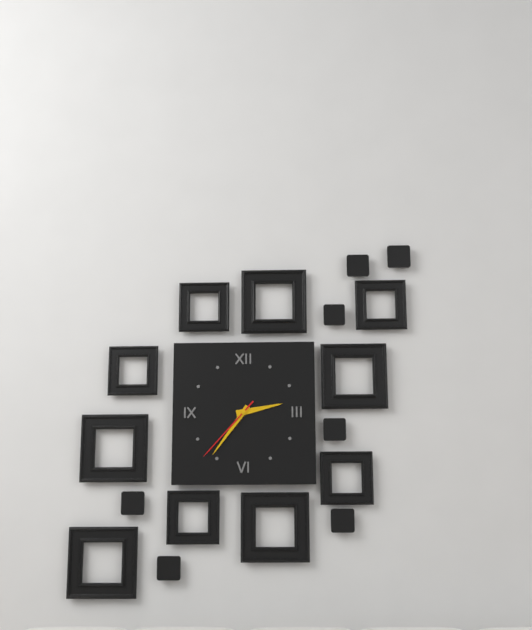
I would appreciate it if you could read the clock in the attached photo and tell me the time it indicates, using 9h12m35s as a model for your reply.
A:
2h36m37s
